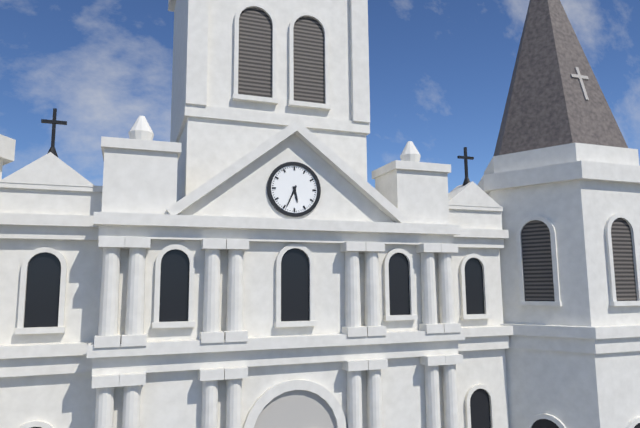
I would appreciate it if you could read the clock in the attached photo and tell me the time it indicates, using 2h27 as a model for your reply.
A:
5h34
